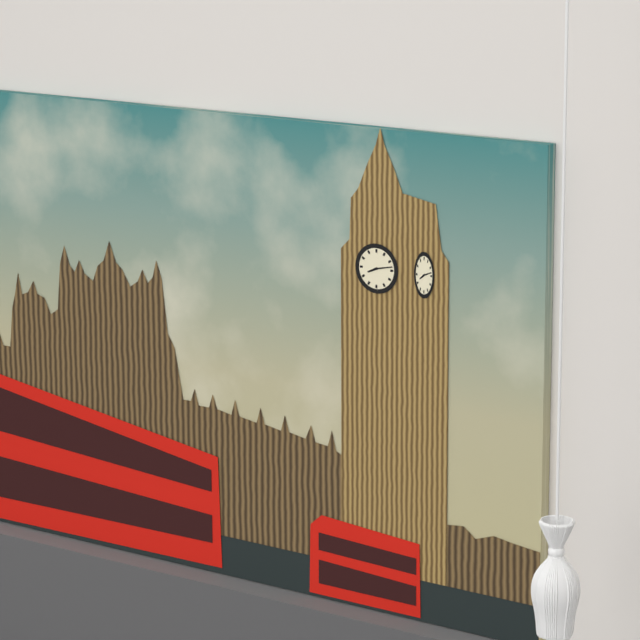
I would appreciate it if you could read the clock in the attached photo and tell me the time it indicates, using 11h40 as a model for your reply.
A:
8h13
